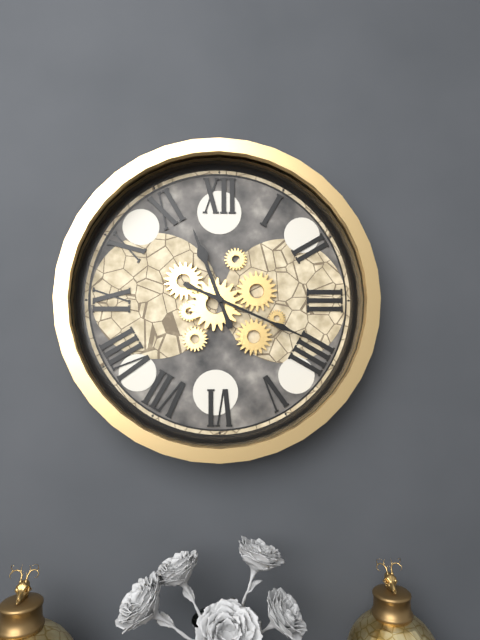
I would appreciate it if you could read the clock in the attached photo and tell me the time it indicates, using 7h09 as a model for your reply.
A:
11h19
